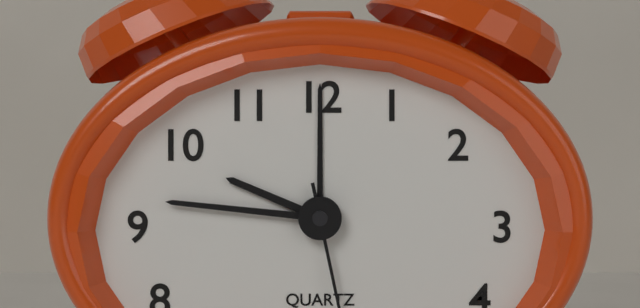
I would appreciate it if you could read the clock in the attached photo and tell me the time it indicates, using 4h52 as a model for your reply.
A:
9h46
